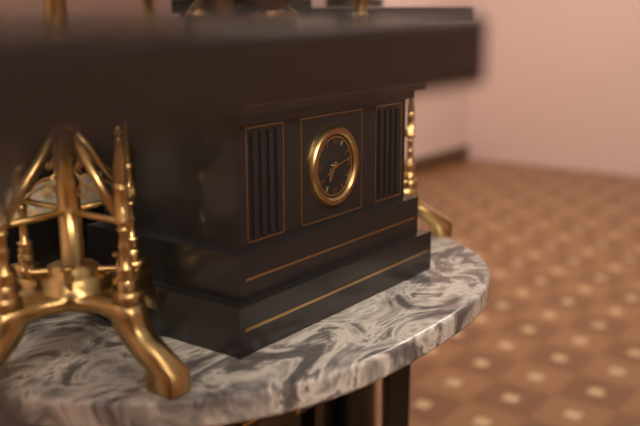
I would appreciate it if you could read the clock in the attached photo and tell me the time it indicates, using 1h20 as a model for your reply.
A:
7h13
